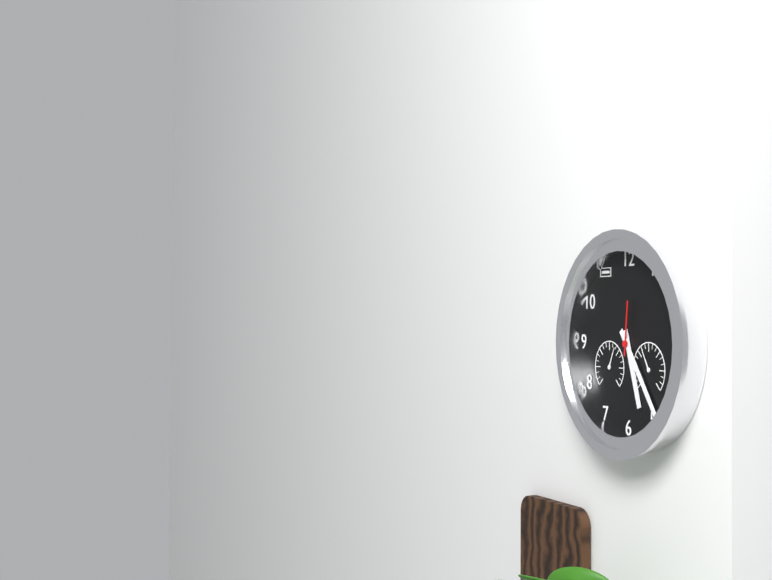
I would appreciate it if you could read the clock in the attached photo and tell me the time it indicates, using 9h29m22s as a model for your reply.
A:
5h24m01s
